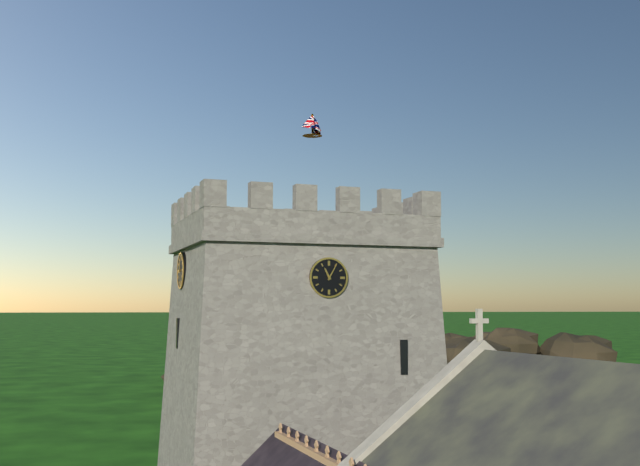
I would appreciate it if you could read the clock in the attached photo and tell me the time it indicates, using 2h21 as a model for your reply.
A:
11h05
